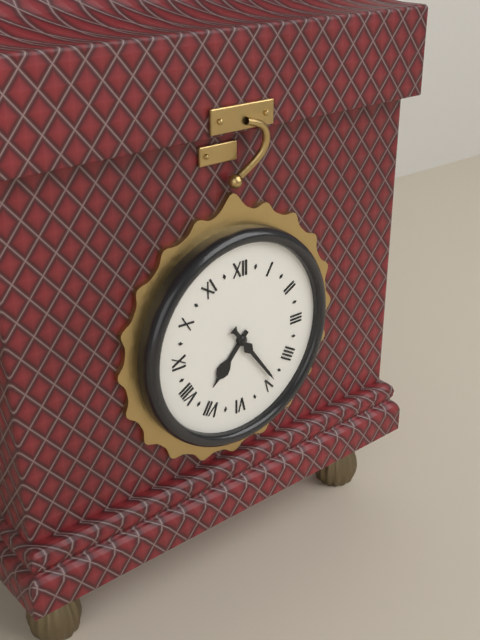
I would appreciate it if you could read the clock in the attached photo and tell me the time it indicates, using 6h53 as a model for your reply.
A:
7h24
